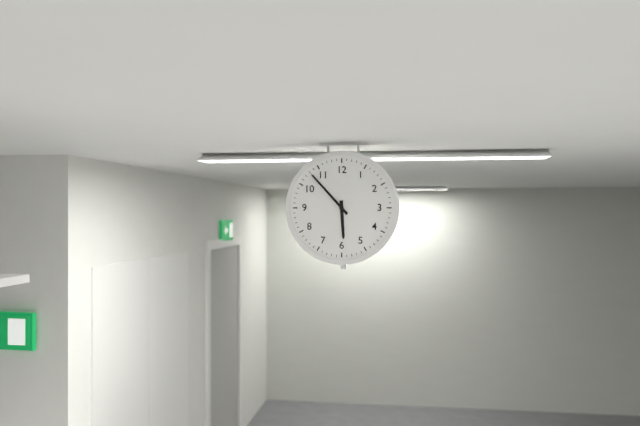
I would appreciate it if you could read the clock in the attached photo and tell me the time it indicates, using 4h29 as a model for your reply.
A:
5h53
